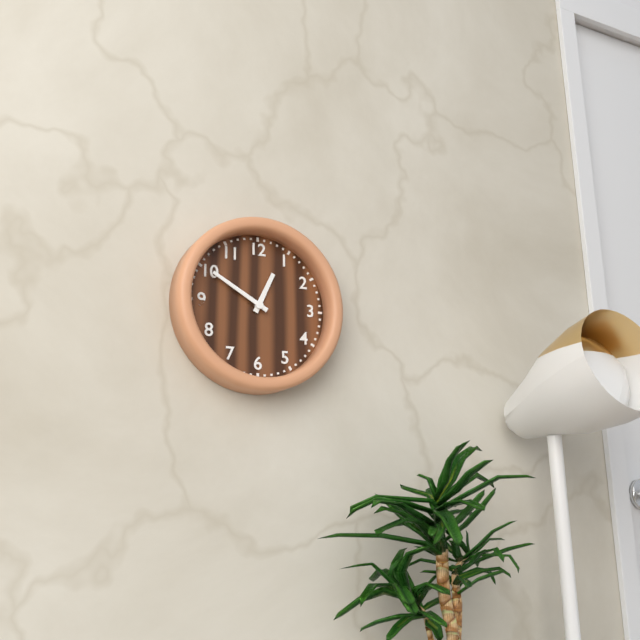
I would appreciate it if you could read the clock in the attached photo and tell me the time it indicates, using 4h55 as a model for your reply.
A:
12h50
